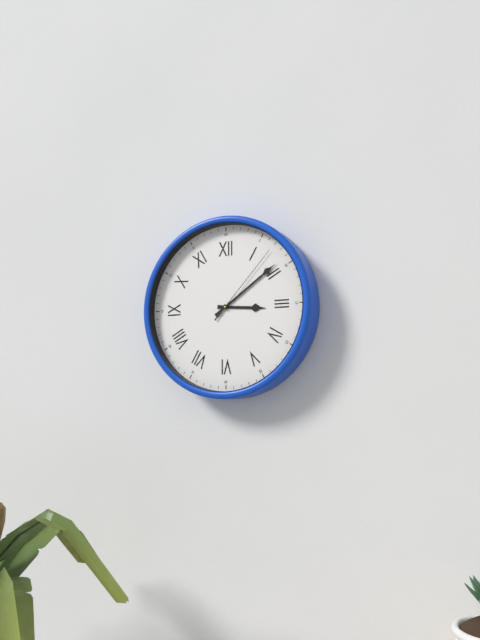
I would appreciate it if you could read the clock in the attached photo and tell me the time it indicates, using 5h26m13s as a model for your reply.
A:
3h09m07s
